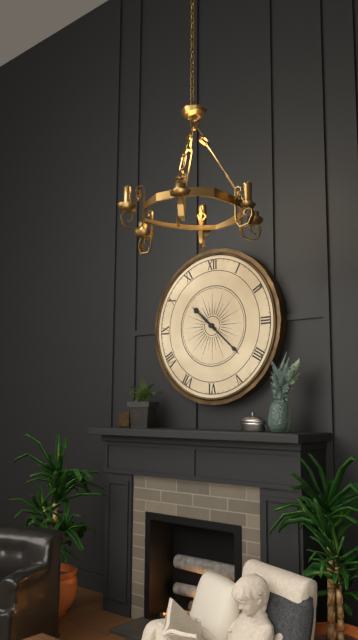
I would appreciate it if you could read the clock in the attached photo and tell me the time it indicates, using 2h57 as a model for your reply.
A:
10h22
